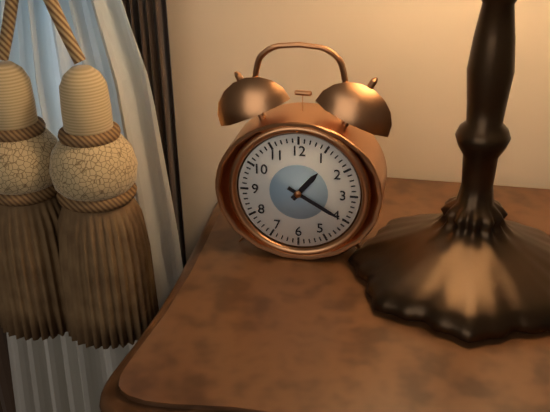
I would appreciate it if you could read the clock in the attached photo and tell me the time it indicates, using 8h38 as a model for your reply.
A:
1h20
